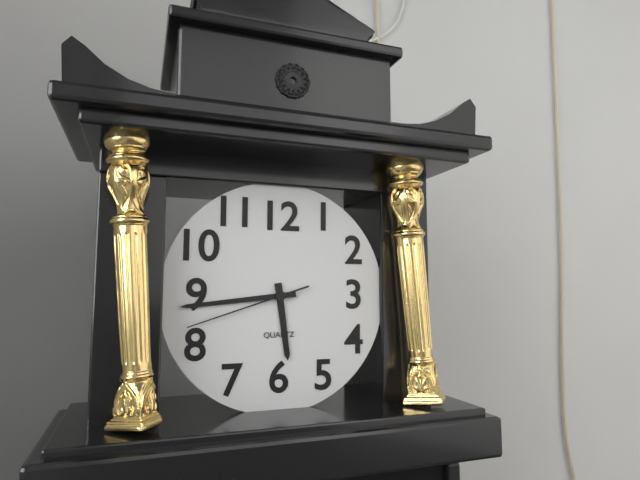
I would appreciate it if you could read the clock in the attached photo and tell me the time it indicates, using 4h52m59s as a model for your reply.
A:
5h44m42s
